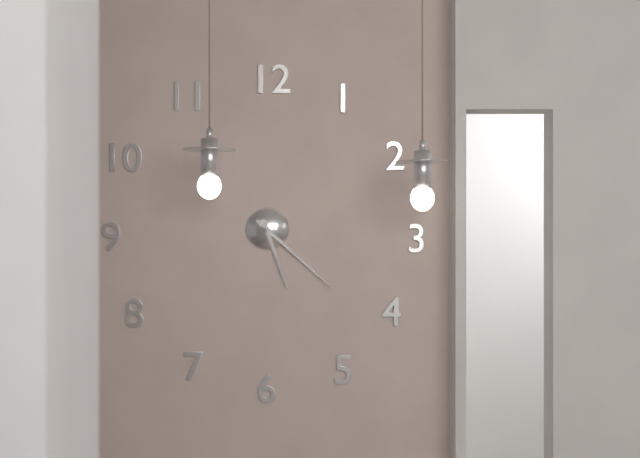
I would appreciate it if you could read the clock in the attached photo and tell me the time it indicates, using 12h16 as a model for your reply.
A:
5h22
